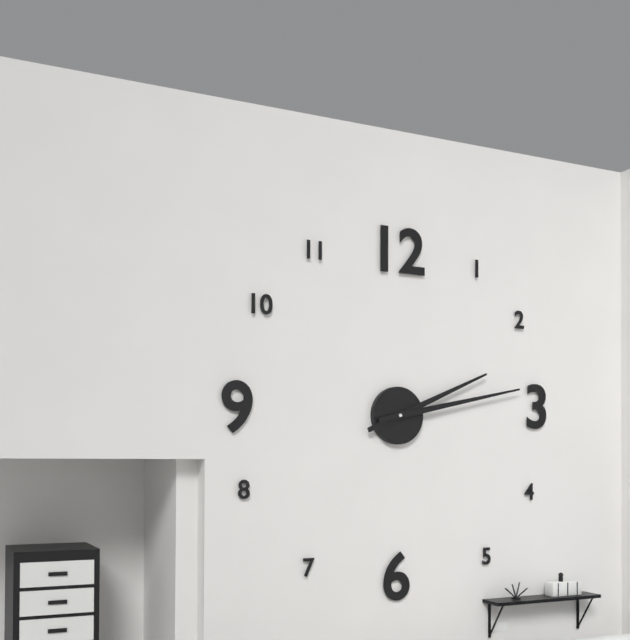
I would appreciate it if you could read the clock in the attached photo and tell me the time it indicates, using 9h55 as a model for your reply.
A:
2h13
